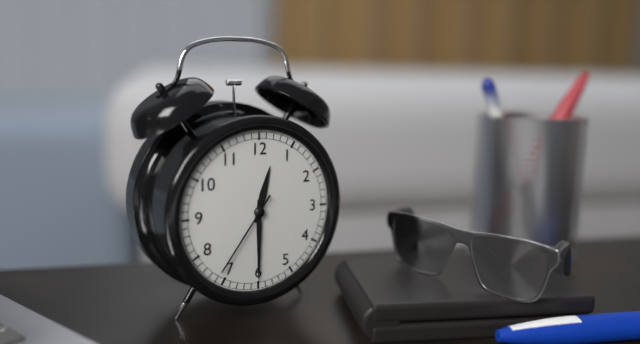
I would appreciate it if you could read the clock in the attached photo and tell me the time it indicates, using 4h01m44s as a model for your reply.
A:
12h30m36s
